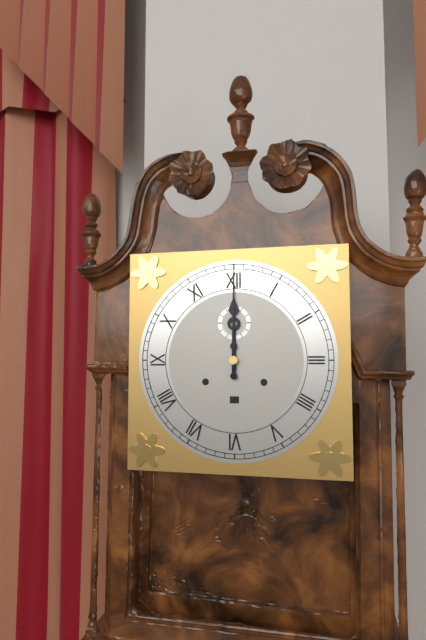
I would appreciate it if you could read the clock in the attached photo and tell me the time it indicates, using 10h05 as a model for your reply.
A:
12h00
